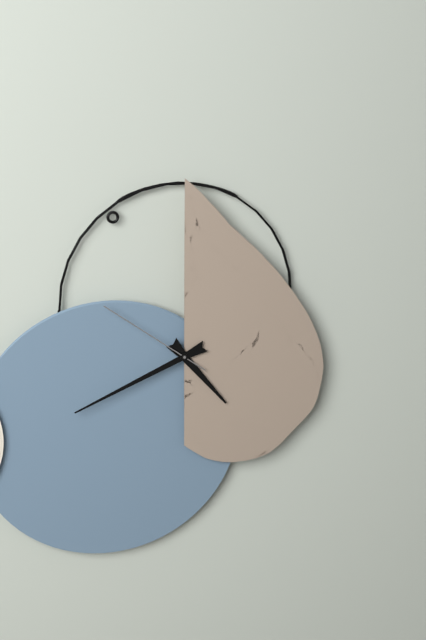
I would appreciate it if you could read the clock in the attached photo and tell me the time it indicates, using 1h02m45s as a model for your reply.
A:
4h41m51s
